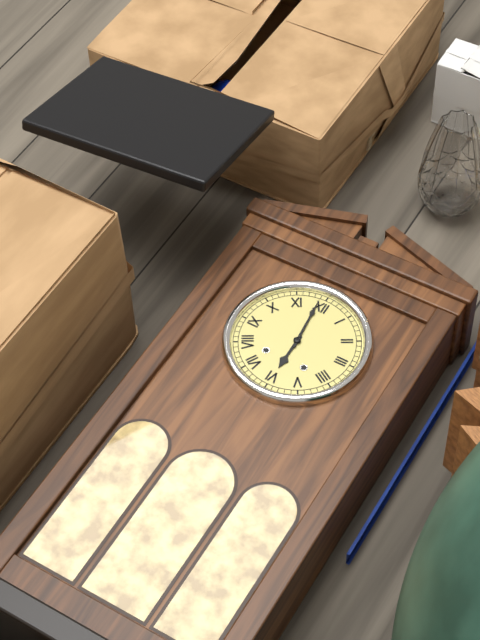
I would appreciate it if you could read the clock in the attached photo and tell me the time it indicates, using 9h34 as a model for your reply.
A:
5h59
